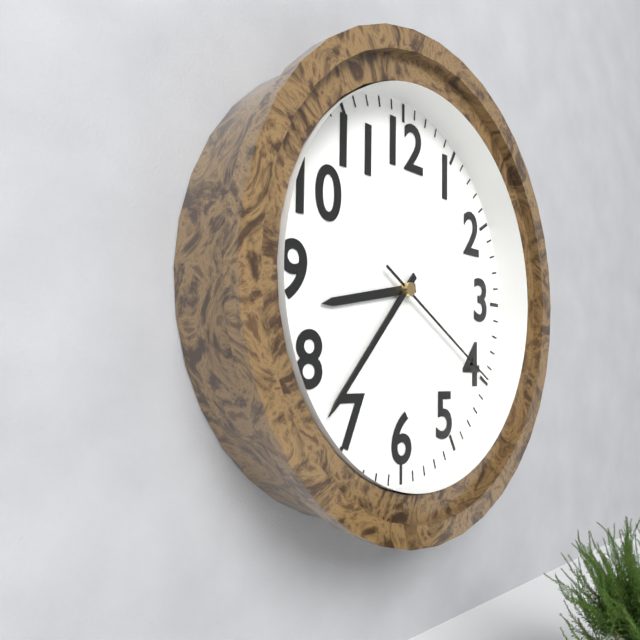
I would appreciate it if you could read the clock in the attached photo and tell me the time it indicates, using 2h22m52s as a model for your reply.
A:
8h37m20s
